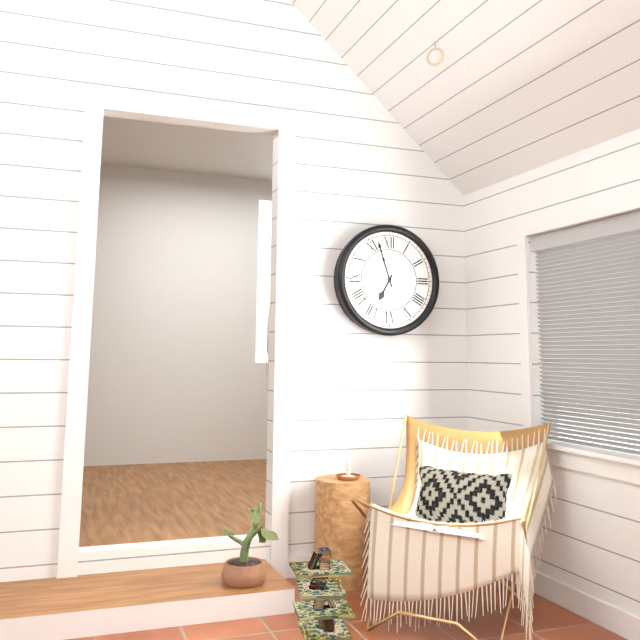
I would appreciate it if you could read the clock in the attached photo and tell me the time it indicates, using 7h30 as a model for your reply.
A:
6h57
